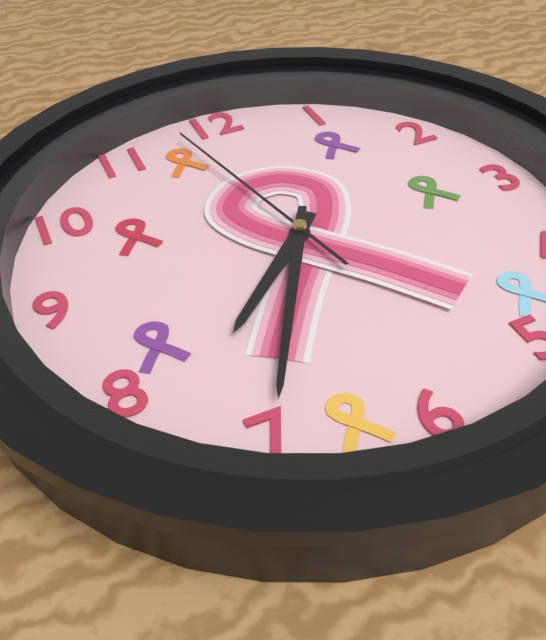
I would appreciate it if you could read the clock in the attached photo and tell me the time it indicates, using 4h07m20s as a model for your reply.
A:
7h35m58s
